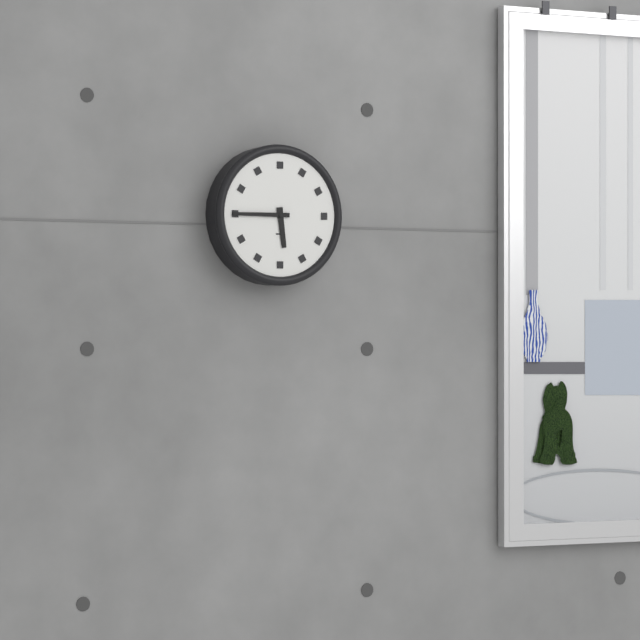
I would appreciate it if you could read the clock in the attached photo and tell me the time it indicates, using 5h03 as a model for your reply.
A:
5h45
